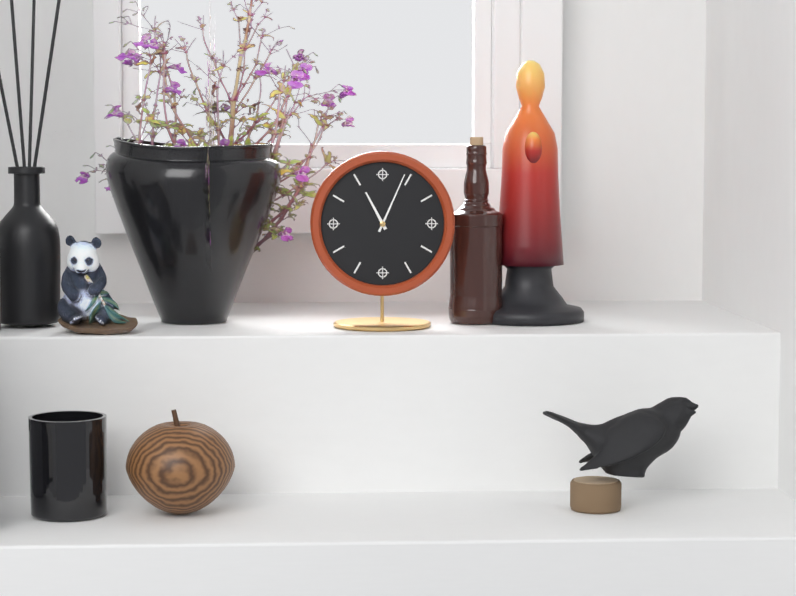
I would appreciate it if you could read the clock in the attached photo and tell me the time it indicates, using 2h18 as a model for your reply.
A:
11h04
